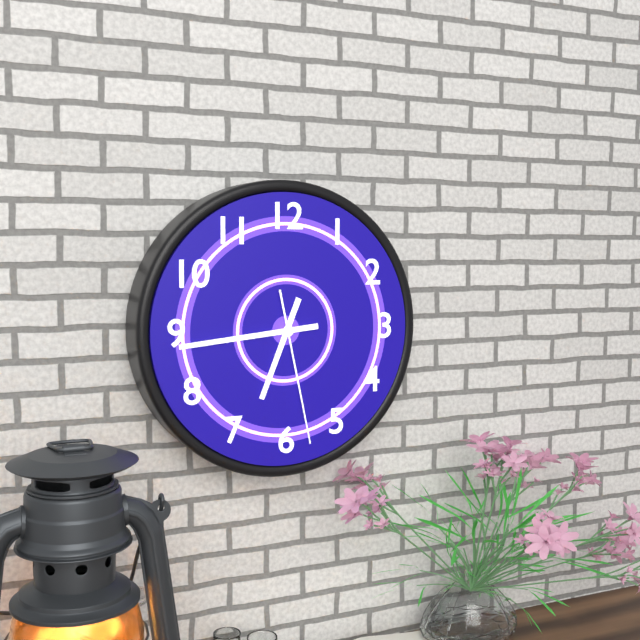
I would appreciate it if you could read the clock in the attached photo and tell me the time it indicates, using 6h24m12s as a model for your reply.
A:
6h44m28s
